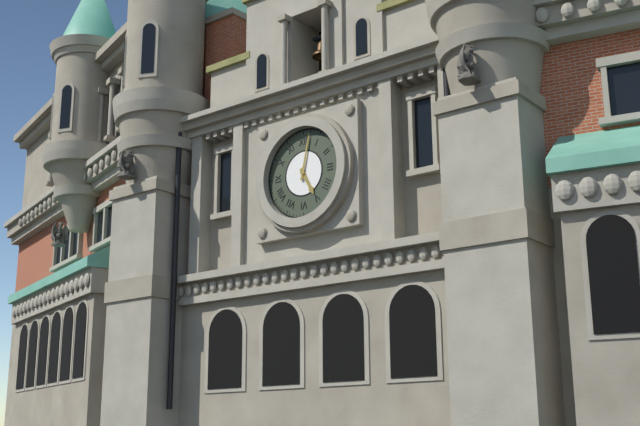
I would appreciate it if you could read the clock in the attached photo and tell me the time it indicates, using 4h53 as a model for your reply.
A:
5h02
